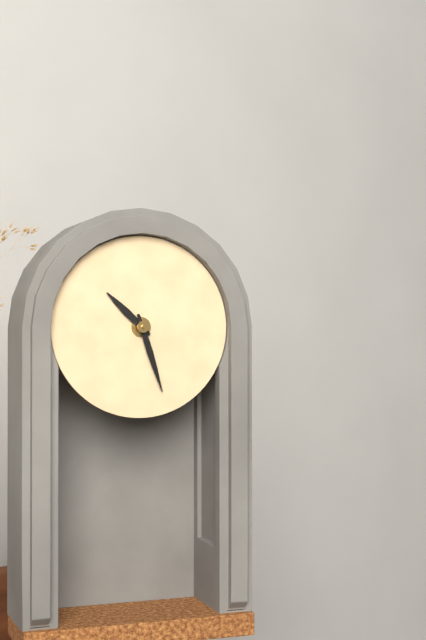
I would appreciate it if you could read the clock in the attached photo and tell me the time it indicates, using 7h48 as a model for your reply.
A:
10h27
